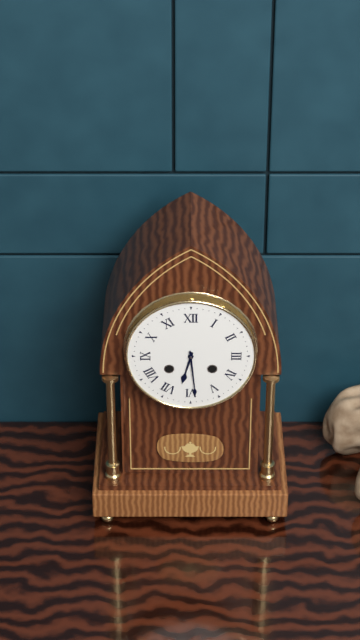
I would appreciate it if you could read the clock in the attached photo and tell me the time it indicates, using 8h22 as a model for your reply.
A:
6h29
